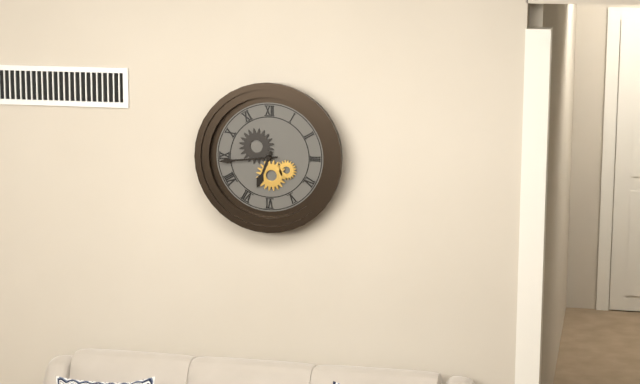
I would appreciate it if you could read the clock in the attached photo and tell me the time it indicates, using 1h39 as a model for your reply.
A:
6h44
